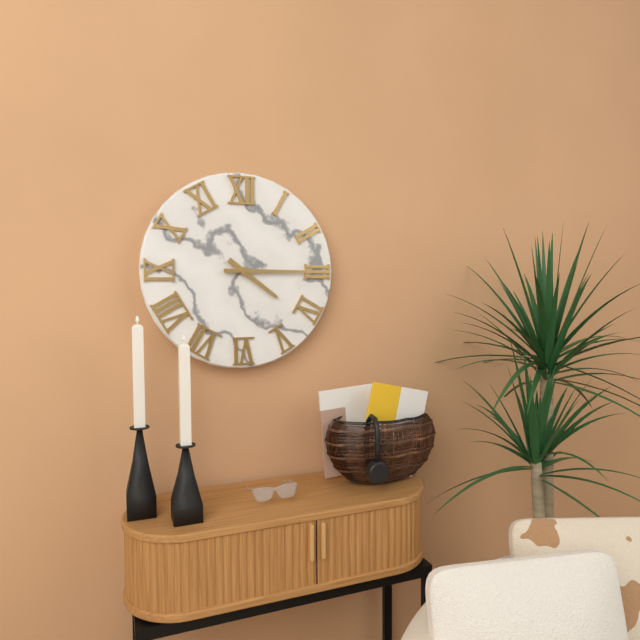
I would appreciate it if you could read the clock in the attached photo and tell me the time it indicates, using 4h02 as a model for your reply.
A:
4h15
